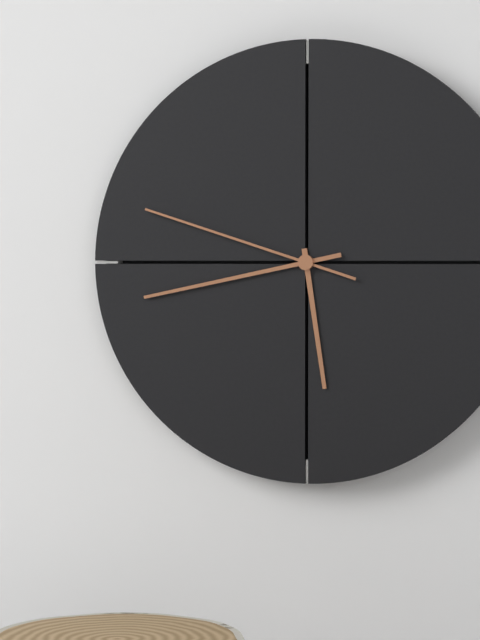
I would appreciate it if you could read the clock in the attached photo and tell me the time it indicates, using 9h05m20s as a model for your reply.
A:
5h43m48s
